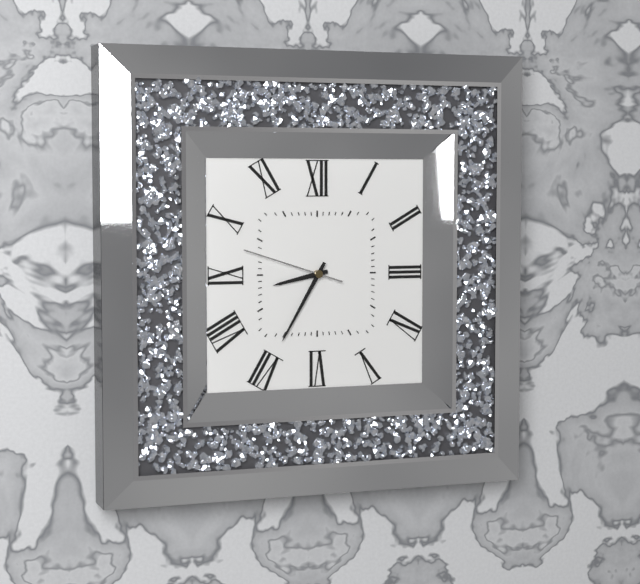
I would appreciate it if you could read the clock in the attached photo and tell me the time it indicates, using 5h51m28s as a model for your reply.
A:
8h35m48s
